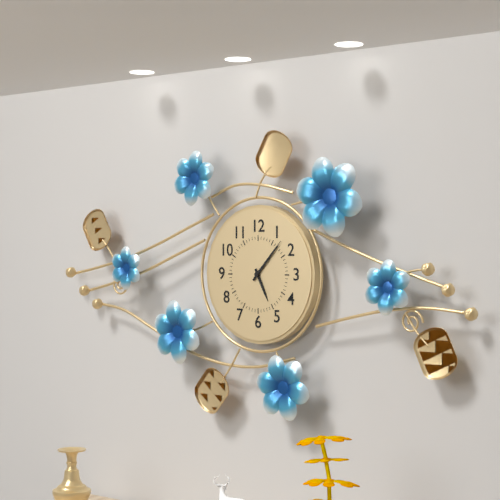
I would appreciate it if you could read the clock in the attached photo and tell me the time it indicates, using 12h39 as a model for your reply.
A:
5h07
